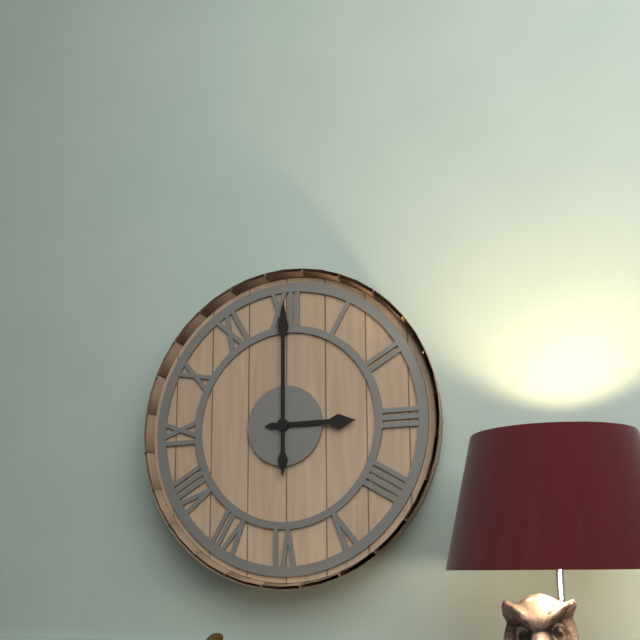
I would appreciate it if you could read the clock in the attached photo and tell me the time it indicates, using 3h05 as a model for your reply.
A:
3h00
